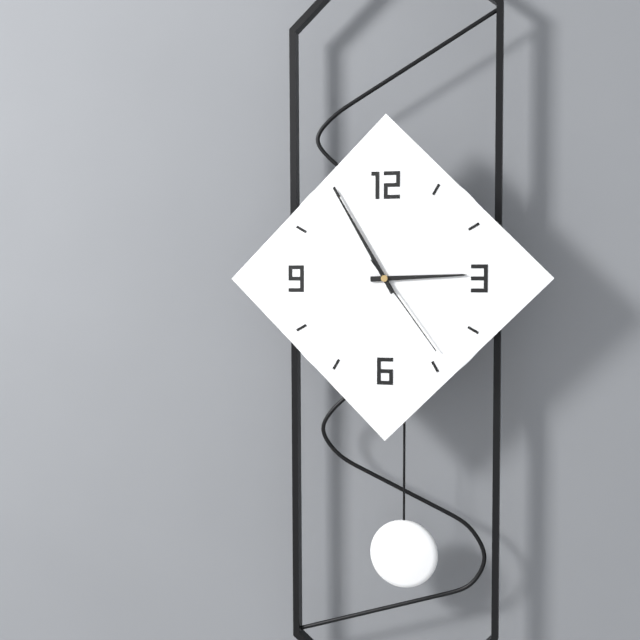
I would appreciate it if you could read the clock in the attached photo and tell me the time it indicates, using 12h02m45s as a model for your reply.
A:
2h55m24s
